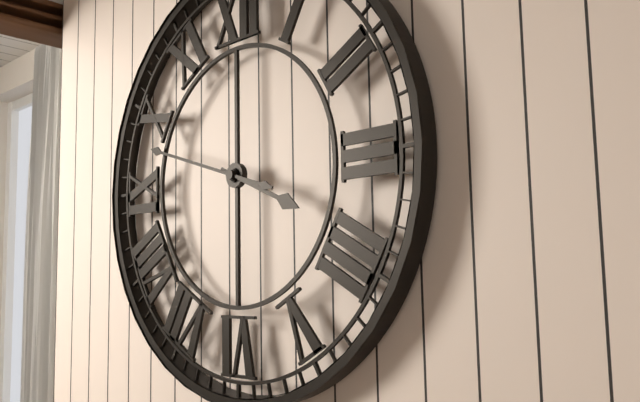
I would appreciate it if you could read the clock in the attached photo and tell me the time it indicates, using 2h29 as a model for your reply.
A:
3h48
